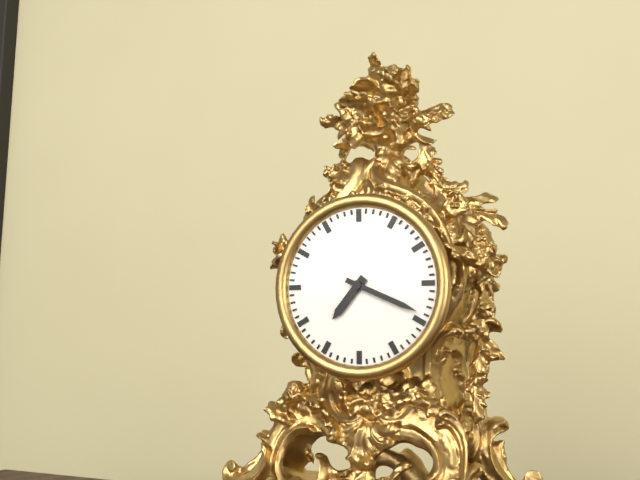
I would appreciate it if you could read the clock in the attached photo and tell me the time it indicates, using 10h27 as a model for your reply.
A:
7h19
